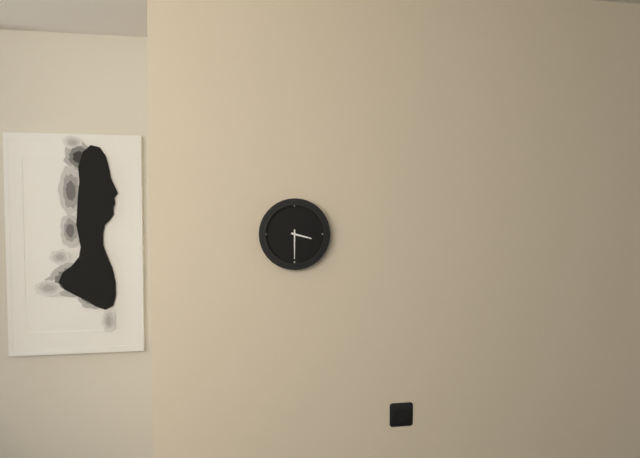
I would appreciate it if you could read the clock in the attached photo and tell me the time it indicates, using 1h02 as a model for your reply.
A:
3h30
